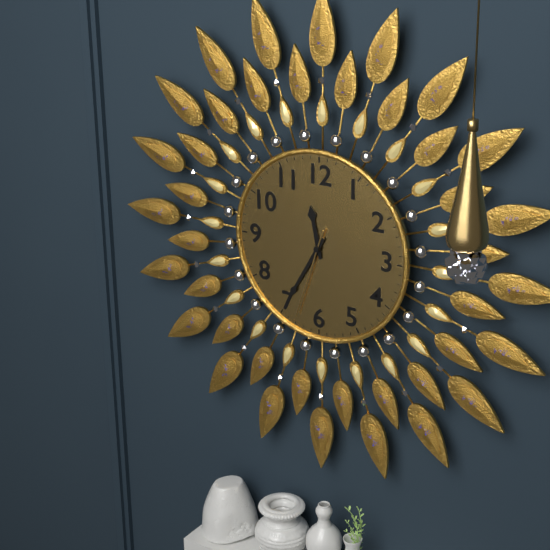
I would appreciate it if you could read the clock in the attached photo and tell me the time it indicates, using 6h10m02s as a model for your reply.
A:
11h35m33s
